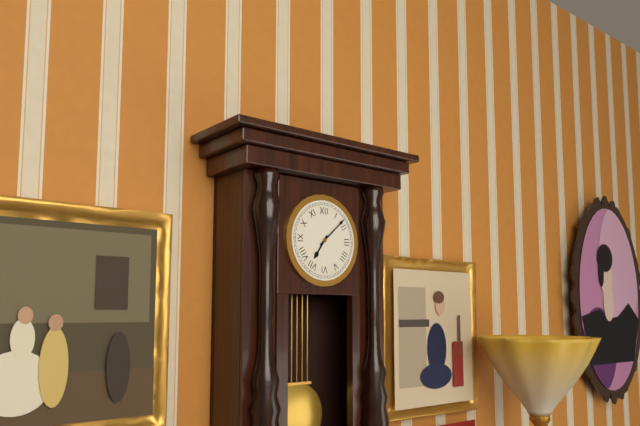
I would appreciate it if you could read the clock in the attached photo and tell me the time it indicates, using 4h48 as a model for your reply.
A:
7h08
